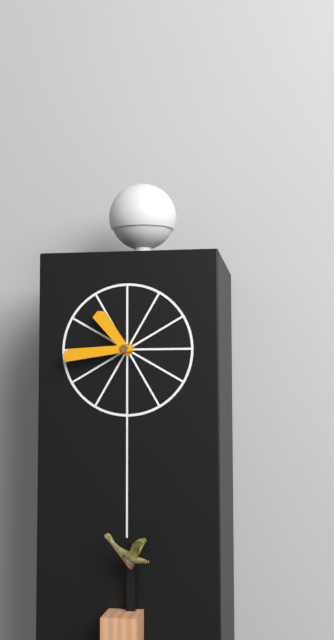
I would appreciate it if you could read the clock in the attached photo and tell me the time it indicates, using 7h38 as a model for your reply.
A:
10h44
